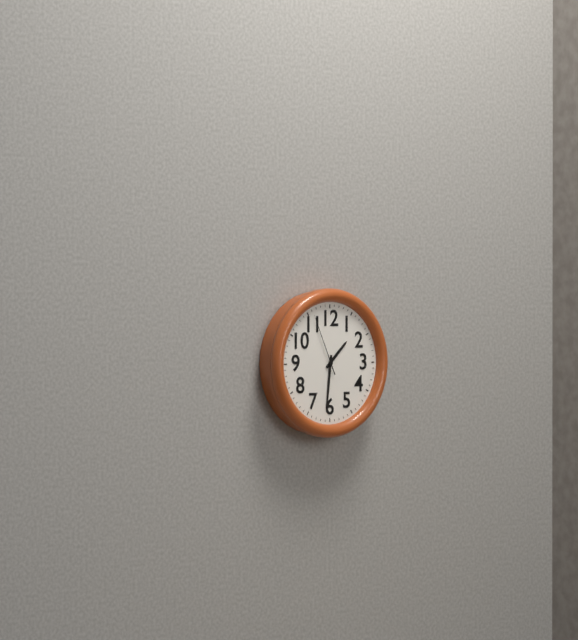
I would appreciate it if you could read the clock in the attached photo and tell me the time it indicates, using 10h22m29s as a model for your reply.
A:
1h31m56s
